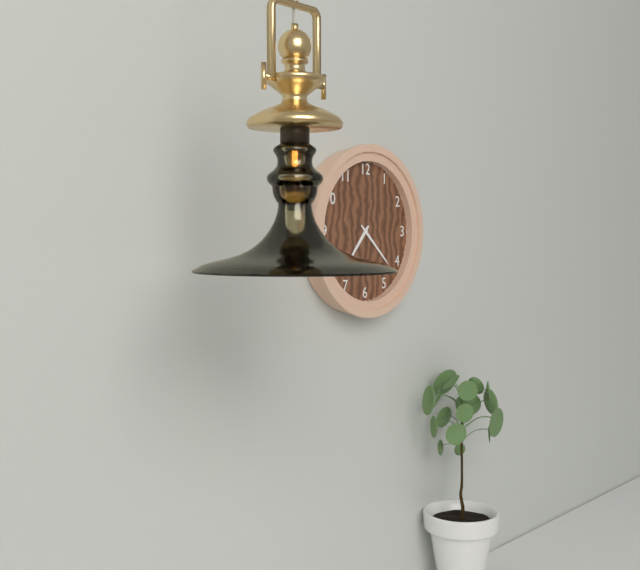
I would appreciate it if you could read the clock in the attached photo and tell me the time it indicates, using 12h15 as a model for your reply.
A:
7h22
